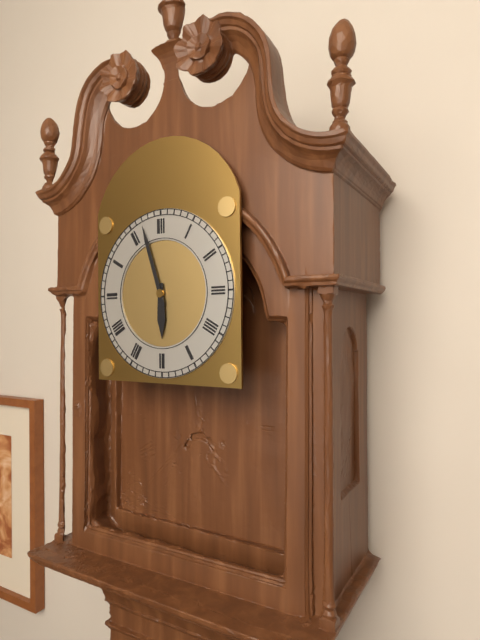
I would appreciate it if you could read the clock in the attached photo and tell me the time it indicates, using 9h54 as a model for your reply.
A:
5h57
